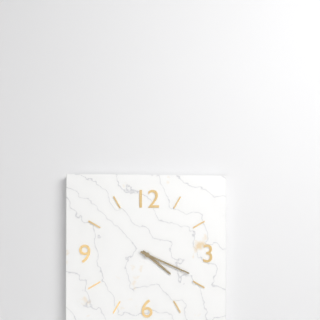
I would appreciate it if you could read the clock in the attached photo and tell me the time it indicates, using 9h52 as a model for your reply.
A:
4h19
